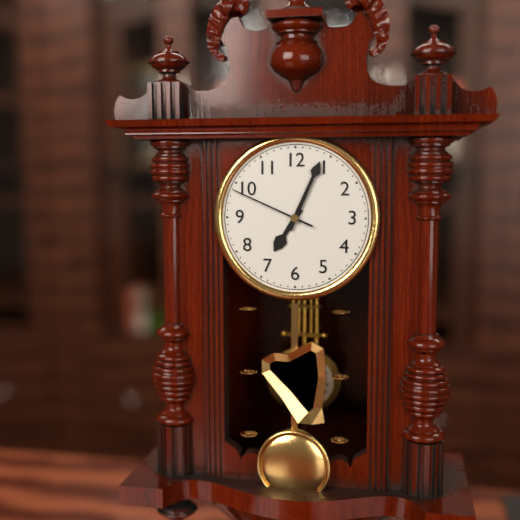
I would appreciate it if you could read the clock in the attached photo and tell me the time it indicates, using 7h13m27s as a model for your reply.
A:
7h04m49s
